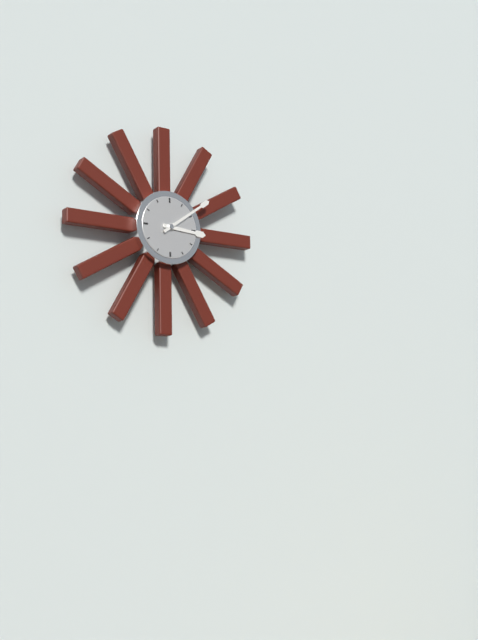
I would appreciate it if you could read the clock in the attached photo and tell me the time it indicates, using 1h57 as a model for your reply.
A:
3h09
